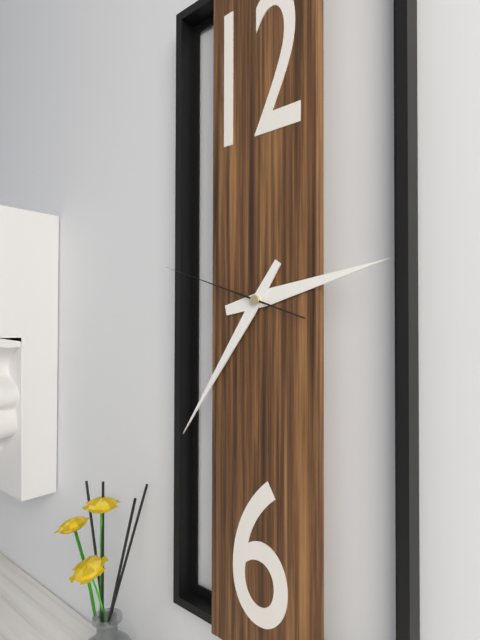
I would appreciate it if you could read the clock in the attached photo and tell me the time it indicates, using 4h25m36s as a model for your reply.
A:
2h36m48s
